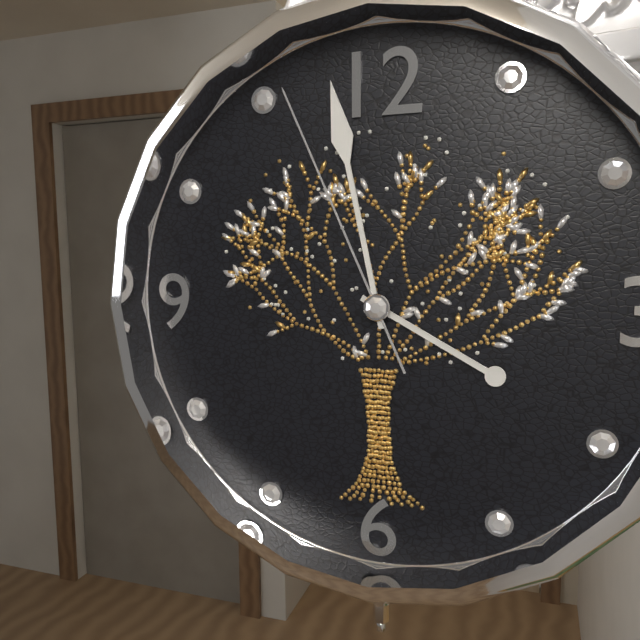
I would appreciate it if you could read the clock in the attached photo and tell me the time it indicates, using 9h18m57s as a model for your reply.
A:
3h58m56s
